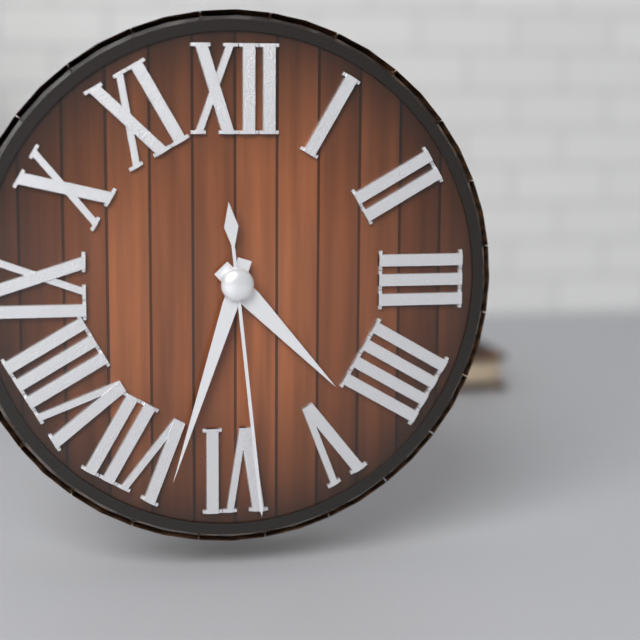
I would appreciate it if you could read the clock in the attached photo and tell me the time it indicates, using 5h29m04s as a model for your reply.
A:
4h33m29s
